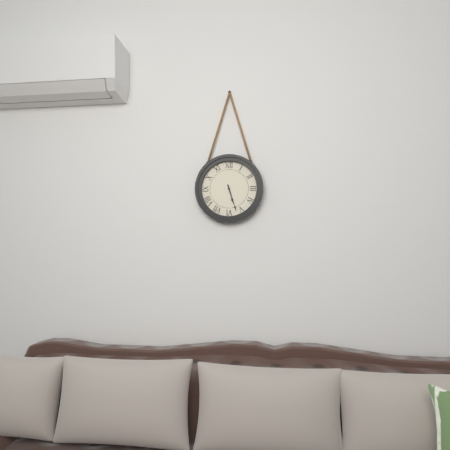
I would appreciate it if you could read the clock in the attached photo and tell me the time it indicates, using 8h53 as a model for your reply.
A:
5h27
